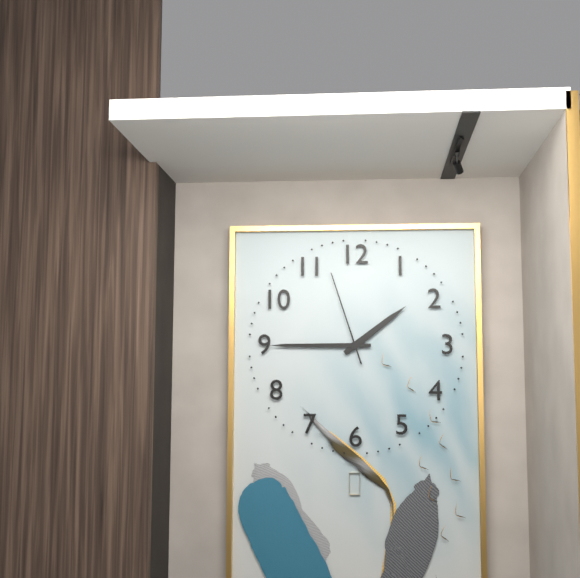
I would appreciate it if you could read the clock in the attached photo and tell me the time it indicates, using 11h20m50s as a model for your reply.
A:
1h45m57s
